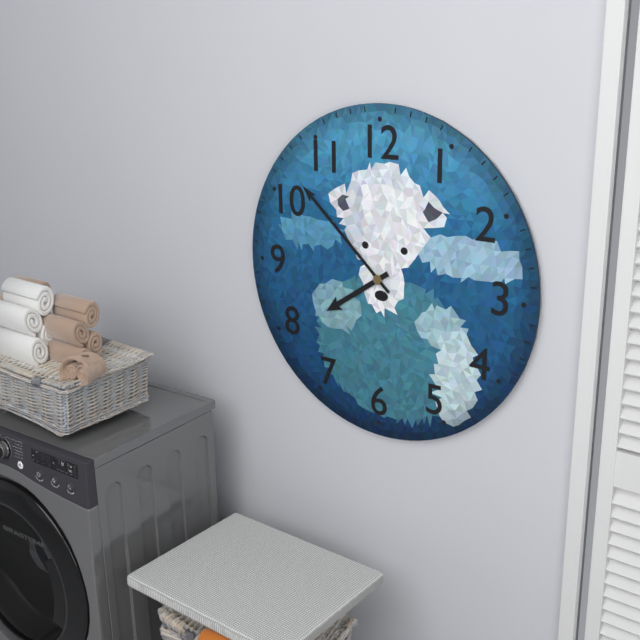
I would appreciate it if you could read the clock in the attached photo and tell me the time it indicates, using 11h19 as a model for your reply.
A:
7h52
